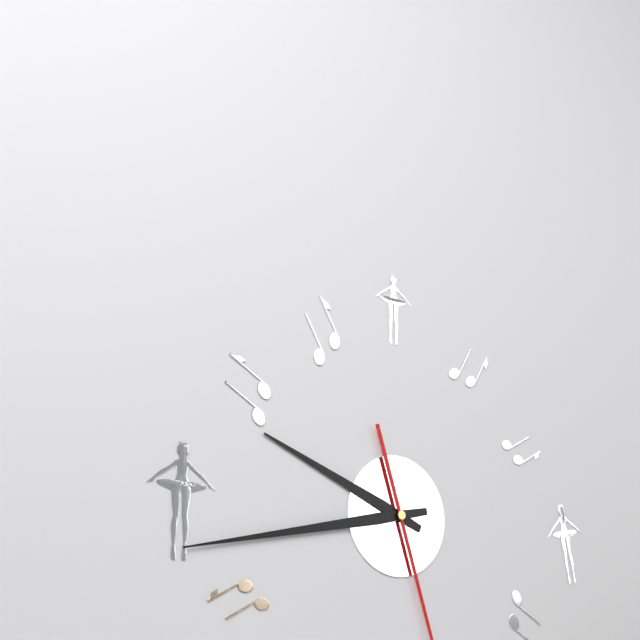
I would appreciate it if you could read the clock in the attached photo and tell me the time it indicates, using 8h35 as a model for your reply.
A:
9h43
